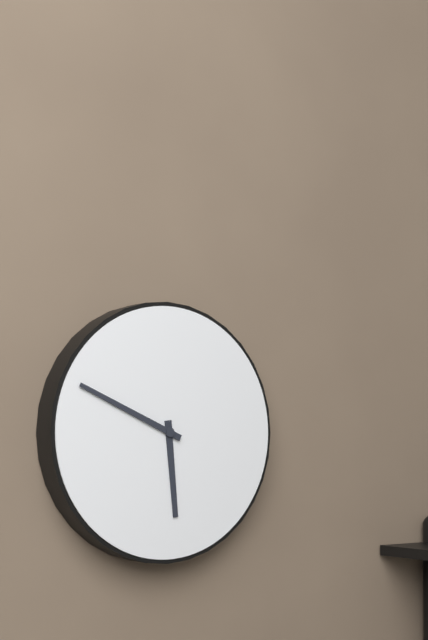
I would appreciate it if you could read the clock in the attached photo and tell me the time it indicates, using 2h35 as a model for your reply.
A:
5h49
